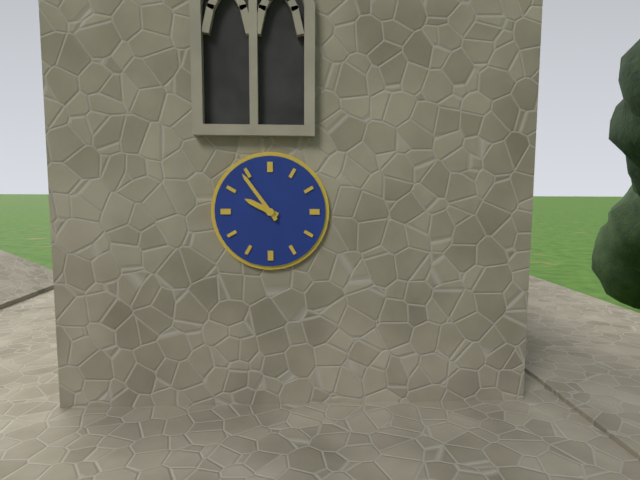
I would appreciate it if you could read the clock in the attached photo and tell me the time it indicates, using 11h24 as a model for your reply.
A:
9h54
